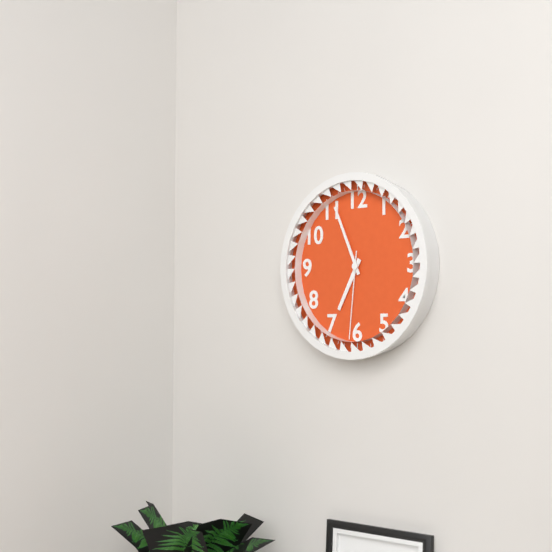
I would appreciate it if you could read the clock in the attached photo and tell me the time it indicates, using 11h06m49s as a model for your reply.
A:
6h56m31s
